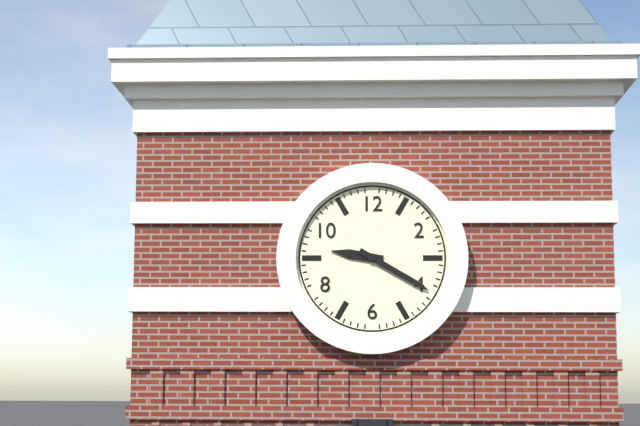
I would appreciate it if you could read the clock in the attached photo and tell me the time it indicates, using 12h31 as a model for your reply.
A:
9h20
